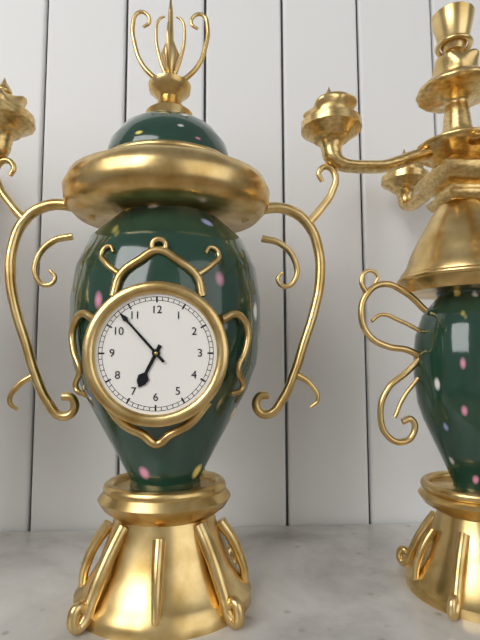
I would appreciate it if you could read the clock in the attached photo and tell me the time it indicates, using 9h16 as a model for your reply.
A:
6h53
